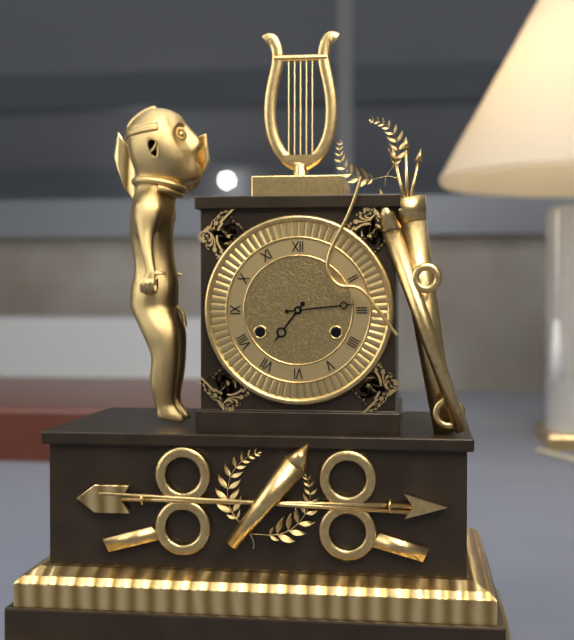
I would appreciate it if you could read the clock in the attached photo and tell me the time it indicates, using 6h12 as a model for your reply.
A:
7h14
